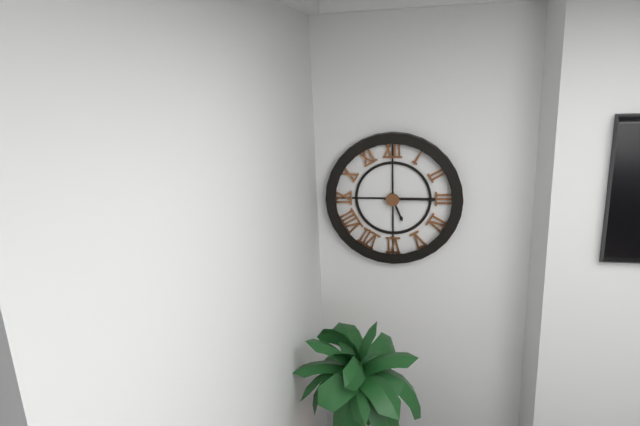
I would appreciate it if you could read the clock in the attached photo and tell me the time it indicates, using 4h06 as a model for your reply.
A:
5h15
